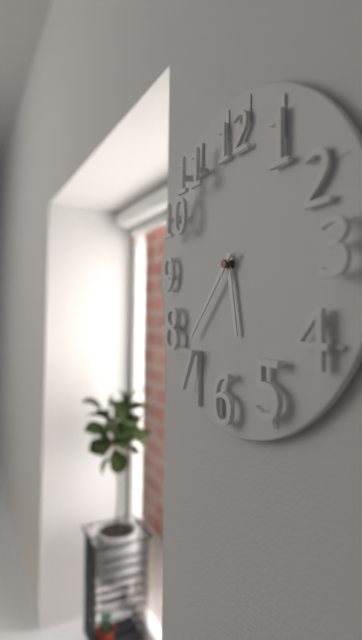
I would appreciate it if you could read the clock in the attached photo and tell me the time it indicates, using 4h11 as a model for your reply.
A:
5h37
